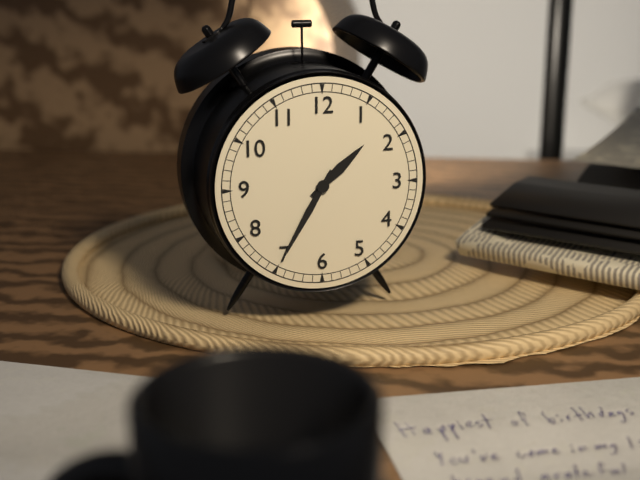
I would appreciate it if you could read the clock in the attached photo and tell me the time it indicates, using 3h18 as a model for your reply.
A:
1h35
